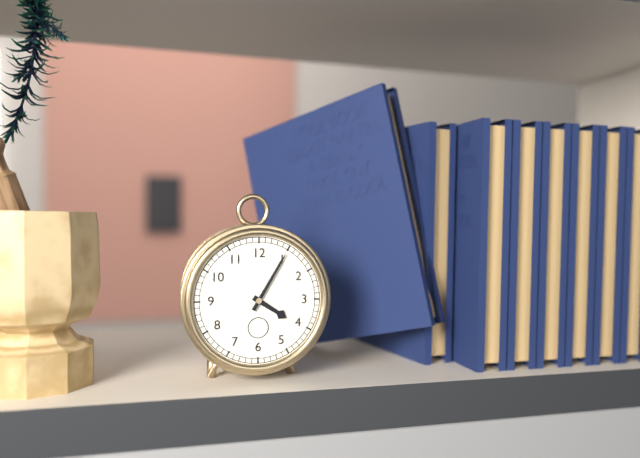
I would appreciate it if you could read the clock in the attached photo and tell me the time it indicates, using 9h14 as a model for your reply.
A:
4h05
